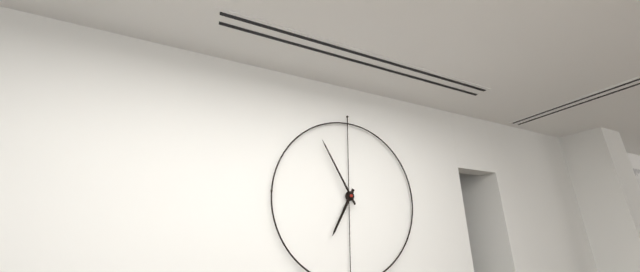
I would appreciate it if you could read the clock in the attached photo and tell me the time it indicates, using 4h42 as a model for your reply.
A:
6h55
